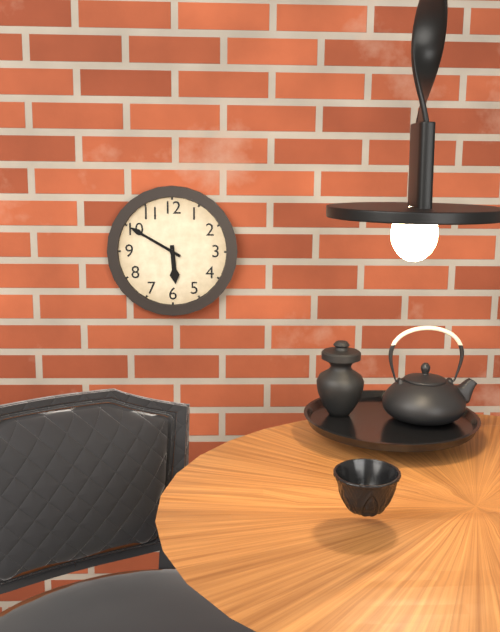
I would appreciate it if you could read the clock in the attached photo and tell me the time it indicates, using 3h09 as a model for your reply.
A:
5h50
